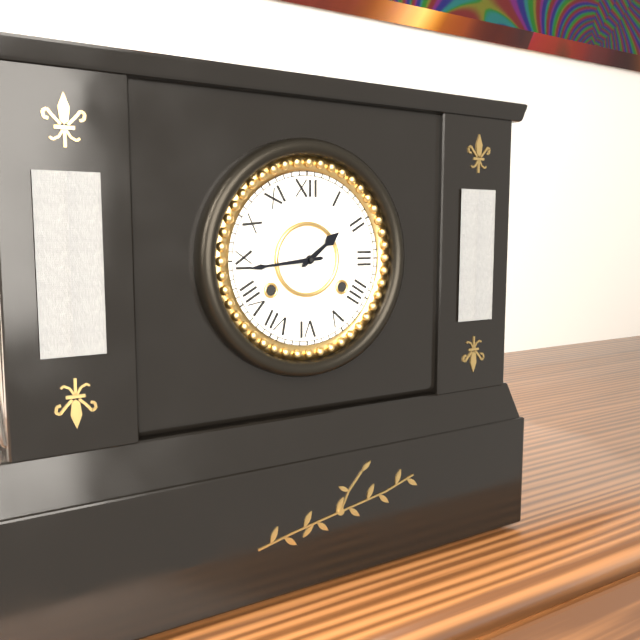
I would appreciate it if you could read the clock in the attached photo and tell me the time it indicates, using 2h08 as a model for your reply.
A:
1h44
